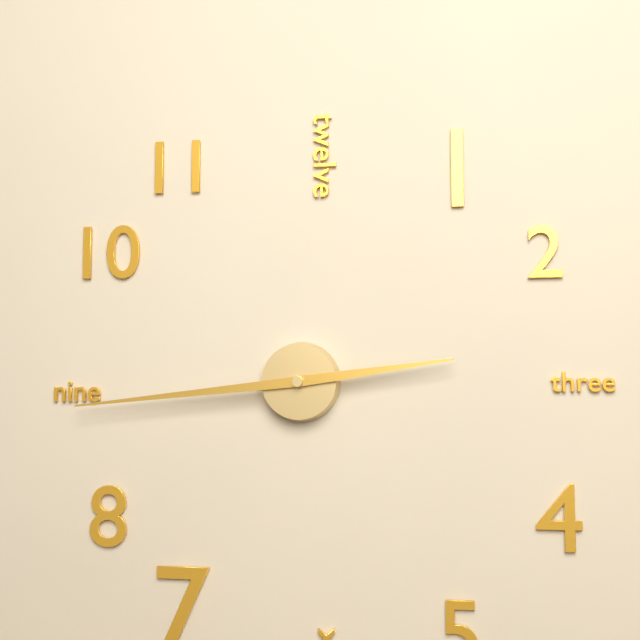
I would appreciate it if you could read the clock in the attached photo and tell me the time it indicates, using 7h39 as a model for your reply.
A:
2h44
